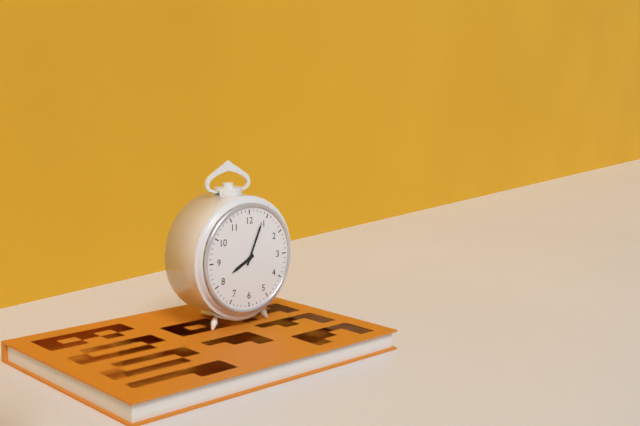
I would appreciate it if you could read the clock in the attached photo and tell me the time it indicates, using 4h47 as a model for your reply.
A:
8h04
